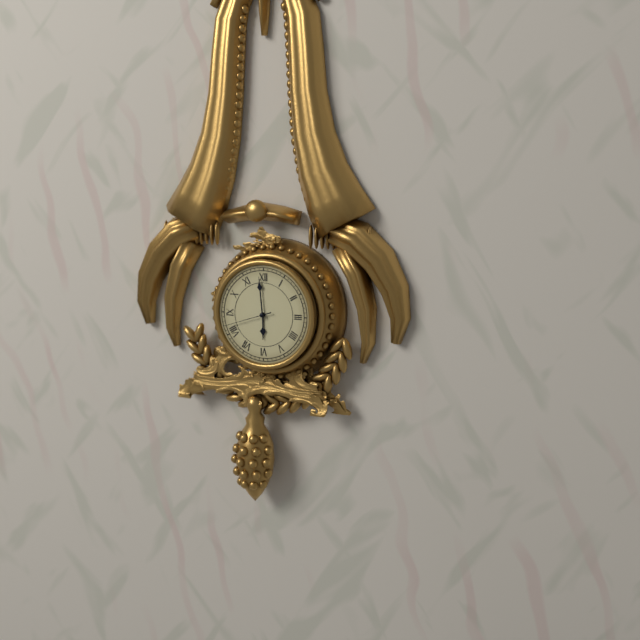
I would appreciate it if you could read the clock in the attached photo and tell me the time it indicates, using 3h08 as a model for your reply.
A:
5h59
